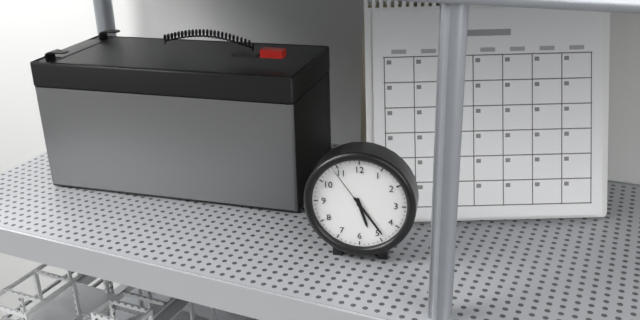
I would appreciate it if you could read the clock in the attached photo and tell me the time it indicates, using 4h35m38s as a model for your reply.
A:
5h24m54s
